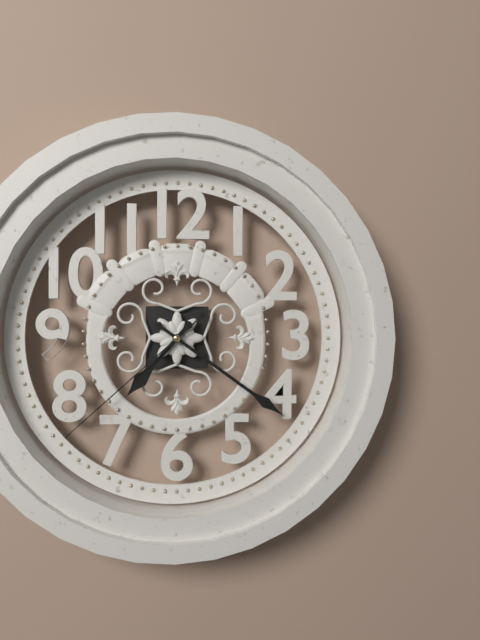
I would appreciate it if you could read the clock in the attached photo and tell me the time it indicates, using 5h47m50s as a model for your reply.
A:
7h21m38s
